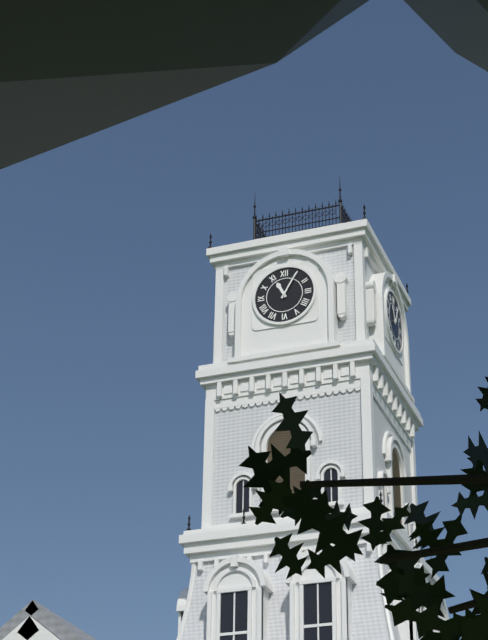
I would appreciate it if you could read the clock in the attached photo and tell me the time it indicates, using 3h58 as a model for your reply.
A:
11h05
